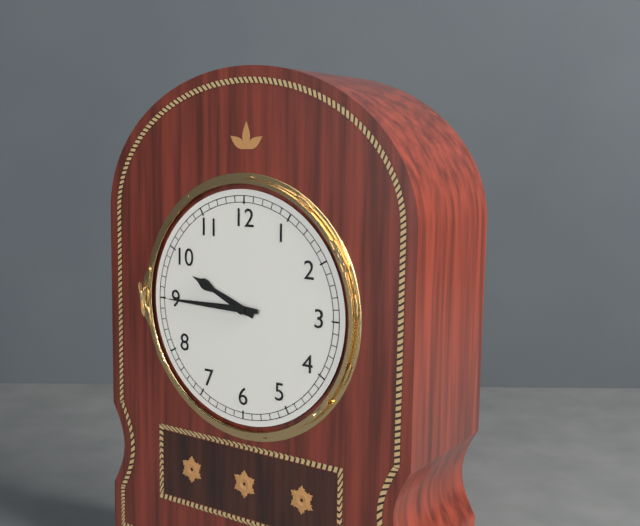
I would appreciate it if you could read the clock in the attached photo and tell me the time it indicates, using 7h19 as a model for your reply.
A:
9h45
